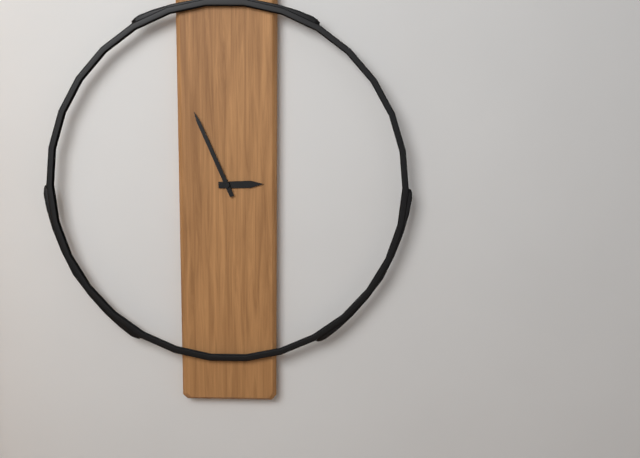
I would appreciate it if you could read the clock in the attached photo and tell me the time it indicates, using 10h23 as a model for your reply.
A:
2h56
